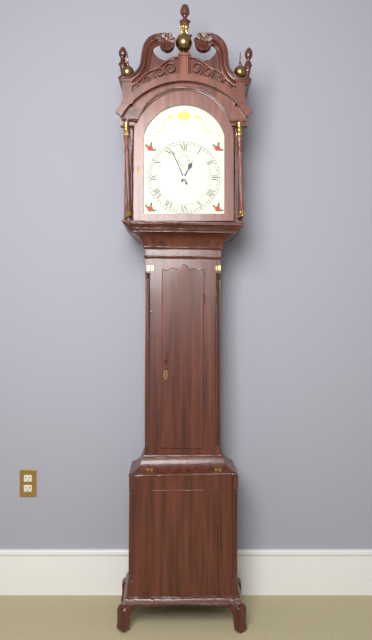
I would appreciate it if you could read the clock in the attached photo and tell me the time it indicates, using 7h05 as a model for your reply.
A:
12h56
